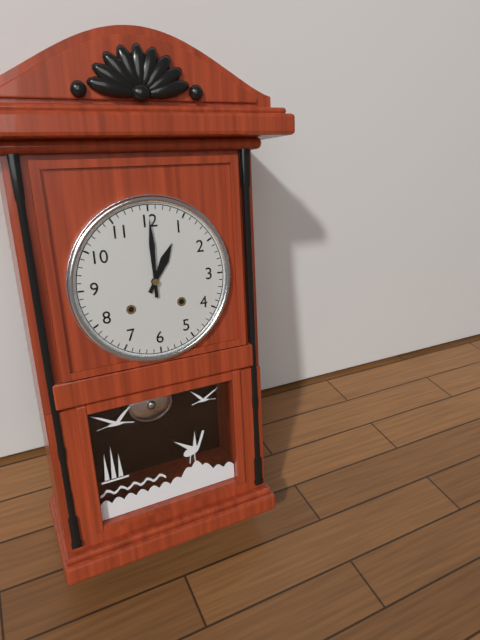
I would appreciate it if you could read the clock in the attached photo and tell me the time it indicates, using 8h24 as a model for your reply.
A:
1h00
